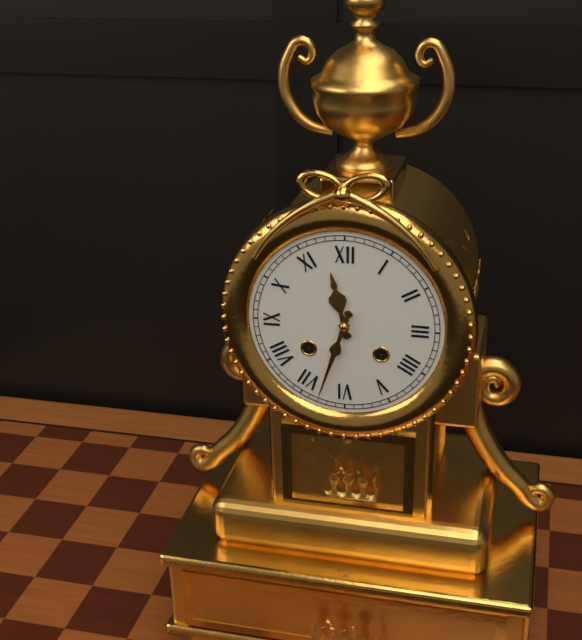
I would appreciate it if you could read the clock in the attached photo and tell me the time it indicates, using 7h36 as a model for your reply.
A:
11h33
